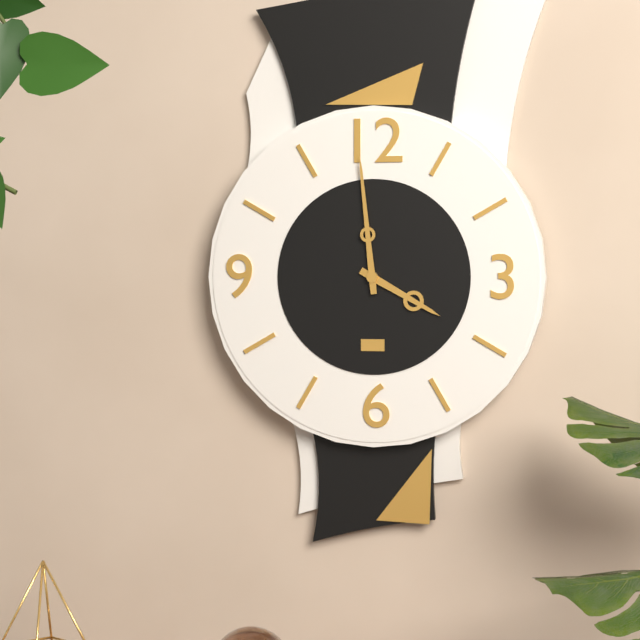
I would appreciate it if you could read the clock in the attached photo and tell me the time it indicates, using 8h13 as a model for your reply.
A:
3h59
